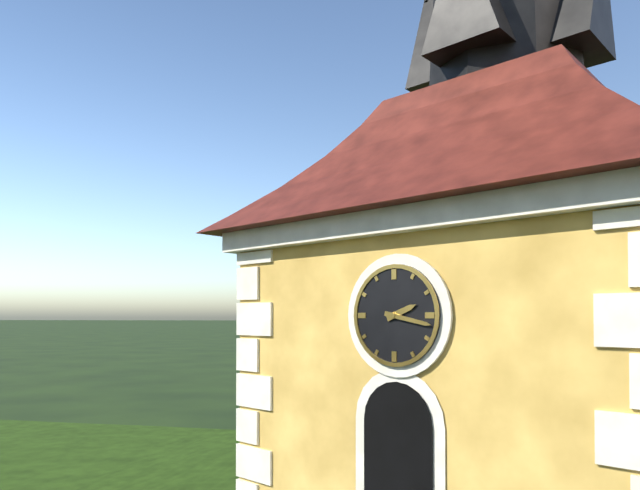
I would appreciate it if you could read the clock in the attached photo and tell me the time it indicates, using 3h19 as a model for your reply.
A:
2h17
